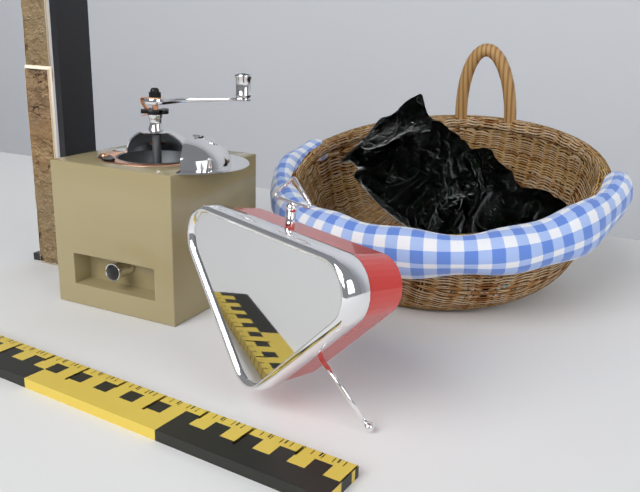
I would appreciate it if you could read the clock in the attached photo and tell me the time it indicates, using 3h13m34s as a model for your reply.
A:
1h22m19s
